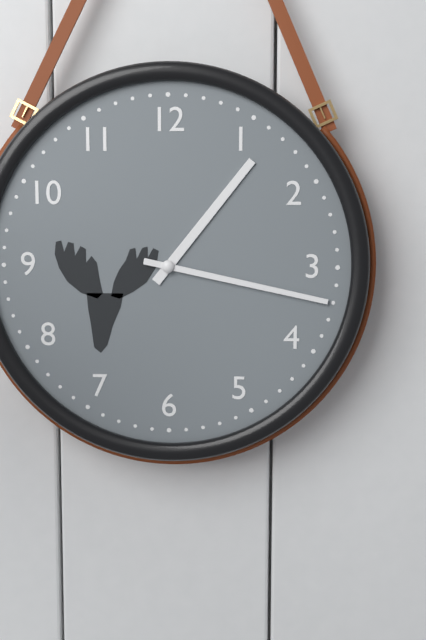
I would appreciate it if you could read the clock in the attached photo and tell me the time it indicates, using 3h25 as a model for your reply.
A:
1h17
